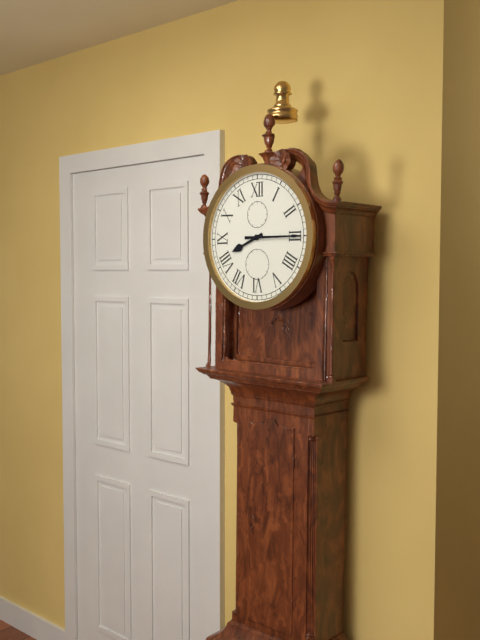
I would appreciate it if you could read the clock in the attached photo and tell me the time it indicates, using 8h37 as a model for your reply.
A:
8h15
